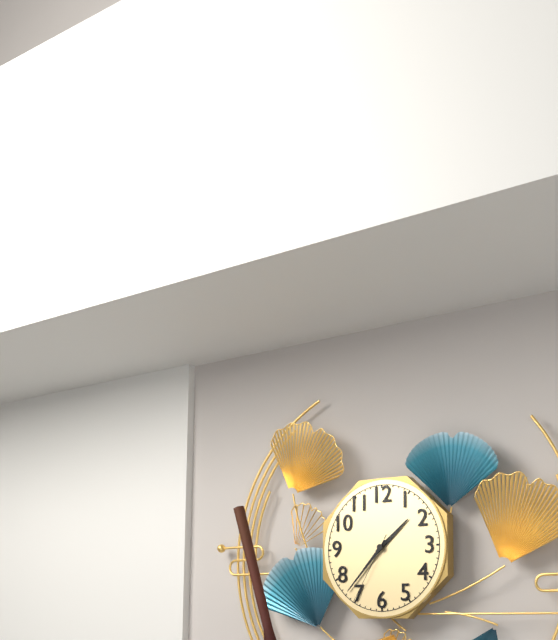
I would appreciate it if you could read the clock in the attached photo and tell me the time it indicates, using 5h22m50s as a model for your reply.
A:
1h37m35s
